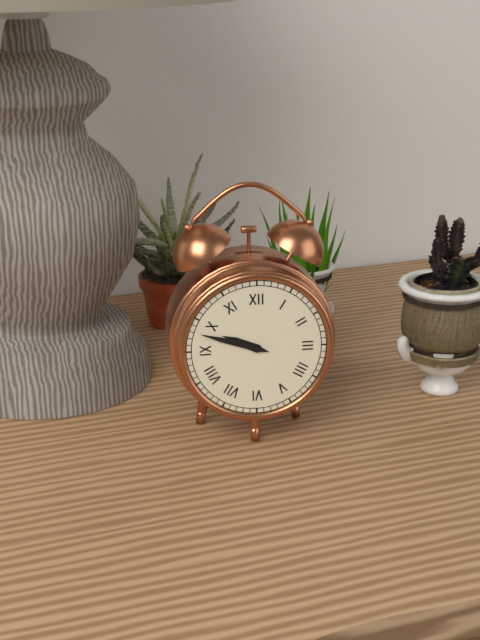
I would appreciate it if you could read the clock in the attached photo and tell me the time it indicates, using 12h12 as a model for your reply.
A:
9h48
